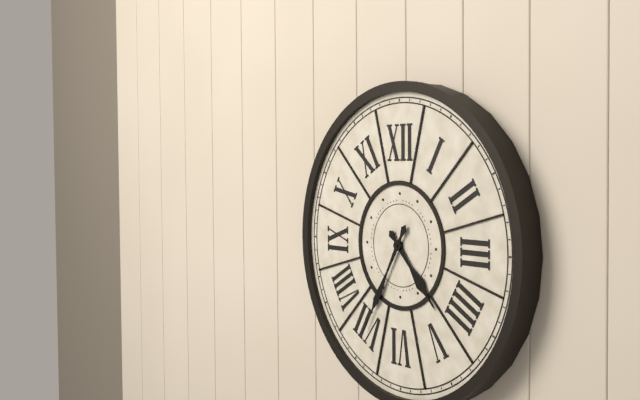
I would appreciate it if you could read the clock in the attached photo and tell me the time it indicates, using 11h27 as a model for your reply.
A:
4h35
